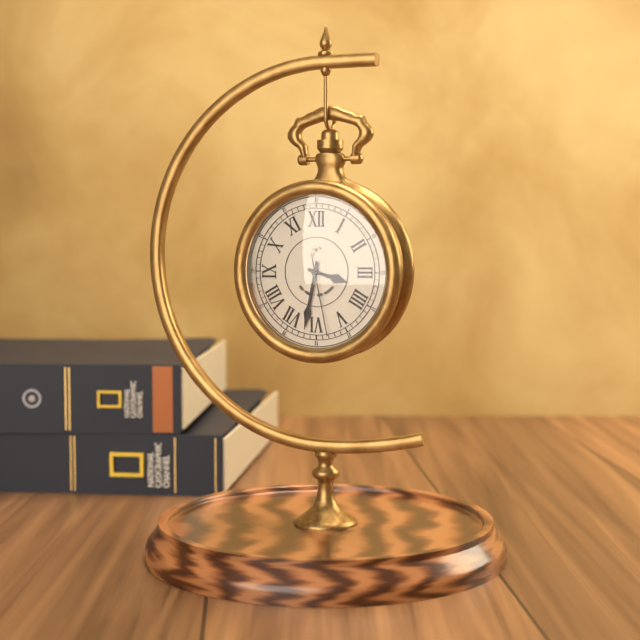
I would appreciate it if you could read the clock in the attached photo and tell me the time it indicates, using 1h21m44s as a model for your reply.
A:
3h32m28s
